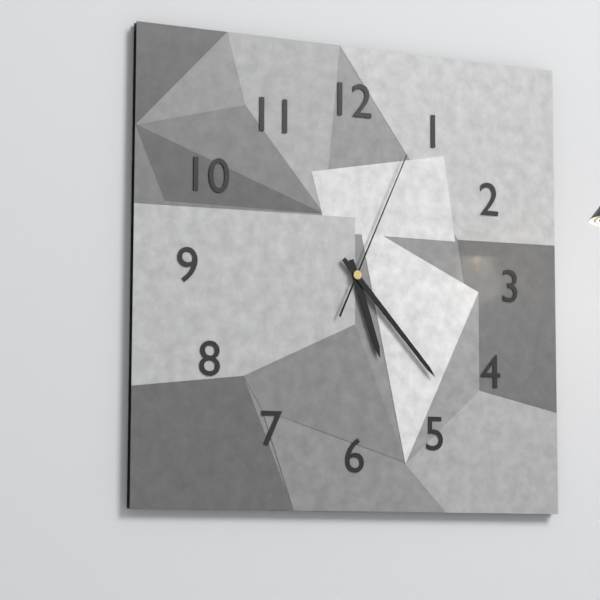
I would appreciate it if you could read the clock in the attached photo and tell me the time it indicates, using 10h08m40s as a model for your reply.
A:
5h23m04s
